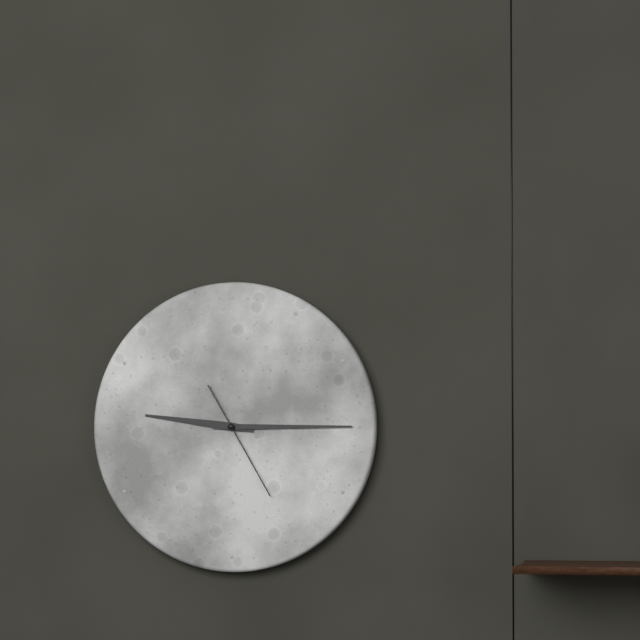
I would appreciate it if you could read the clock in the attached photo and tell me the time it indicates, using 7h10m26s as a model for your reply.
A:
9h15m25s
